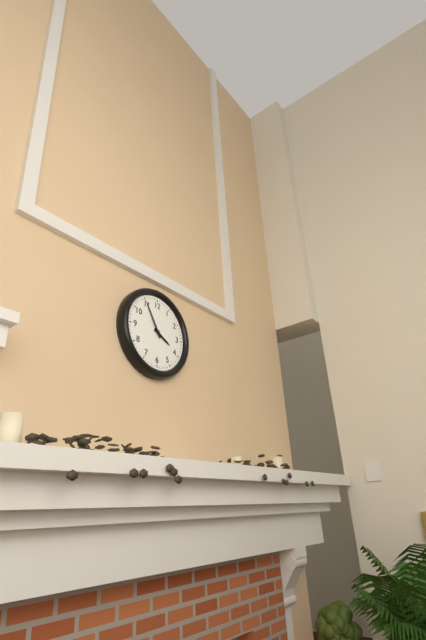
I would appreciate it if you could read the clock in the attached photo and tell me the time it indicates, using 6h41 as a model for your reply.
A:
3h55
